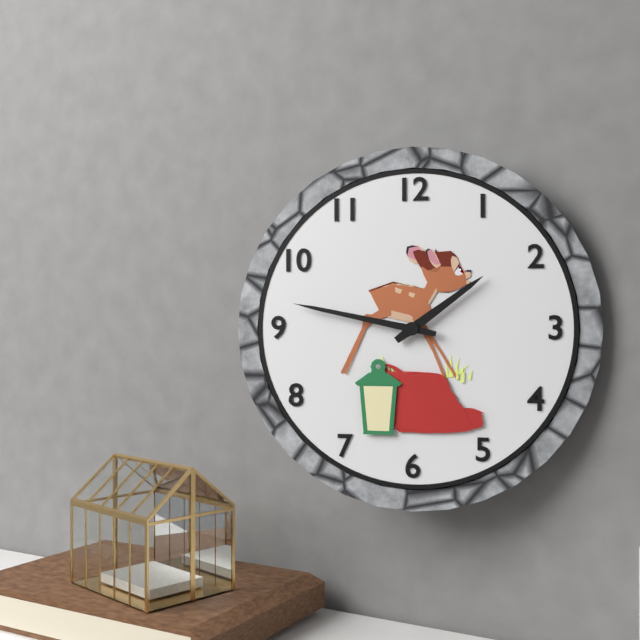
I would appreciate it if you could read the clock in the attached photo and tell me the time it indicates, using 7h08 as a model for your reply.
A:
1h47
